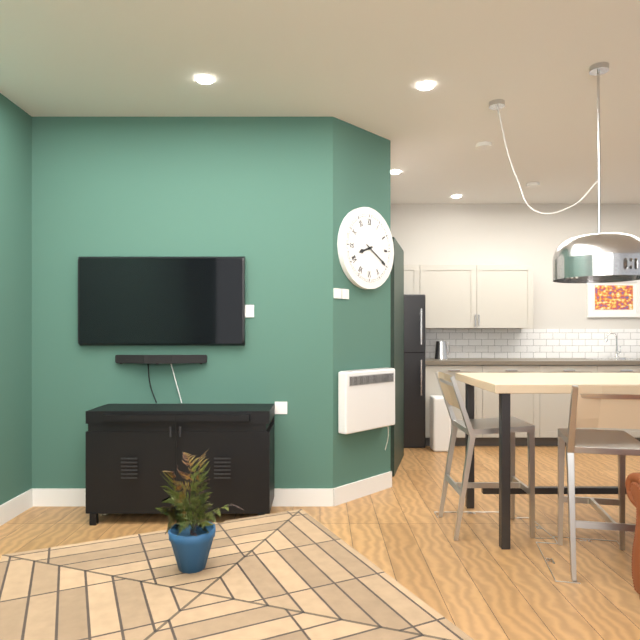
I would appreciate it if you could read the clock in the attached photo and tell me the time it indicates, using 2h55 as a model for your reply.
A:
8h20
